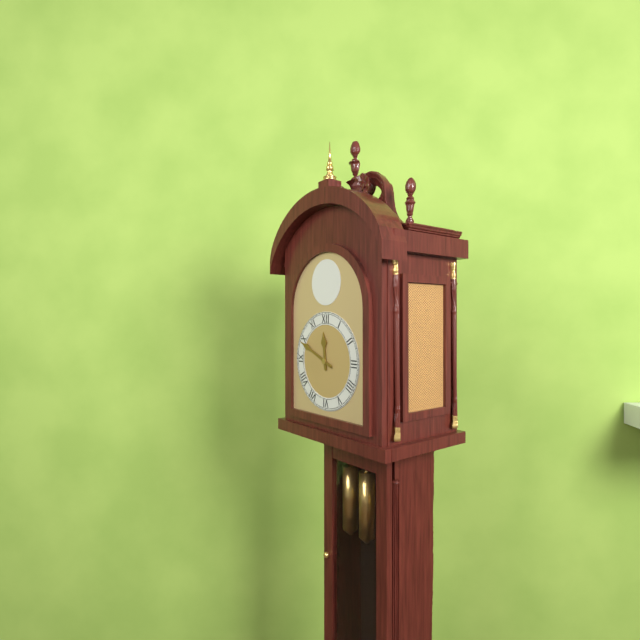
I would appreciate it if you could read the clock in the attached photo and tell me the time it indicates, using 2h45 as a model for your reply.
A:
11h49
